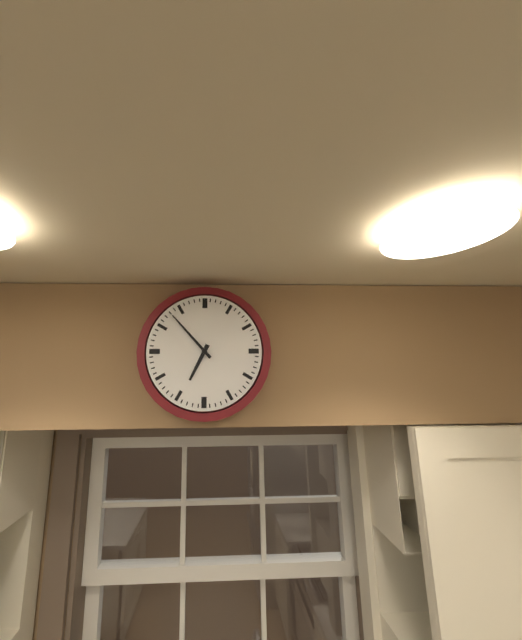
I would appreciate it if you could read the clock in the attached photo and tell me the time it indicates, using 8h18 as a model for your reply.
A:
6h53
